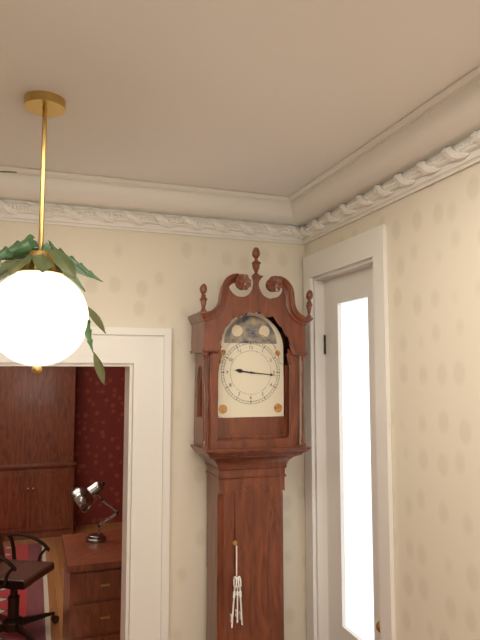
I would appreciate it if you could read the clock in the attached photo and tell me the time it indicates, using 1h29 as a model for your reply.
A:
9h16
